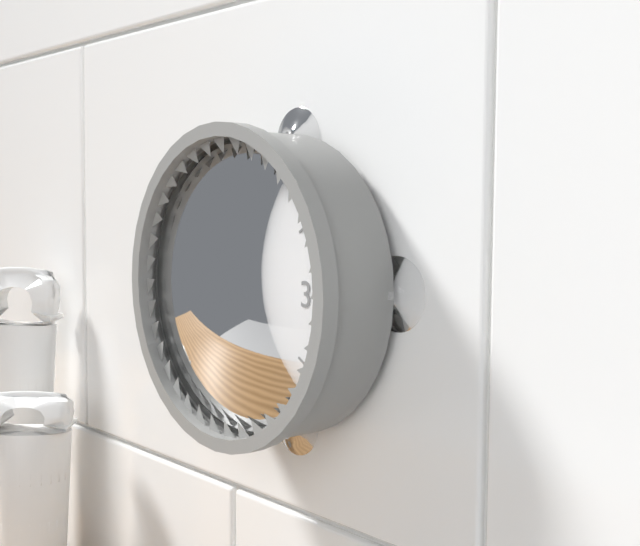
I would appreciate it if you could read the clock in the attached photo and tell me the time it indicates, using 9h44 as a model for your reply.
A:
12h56
